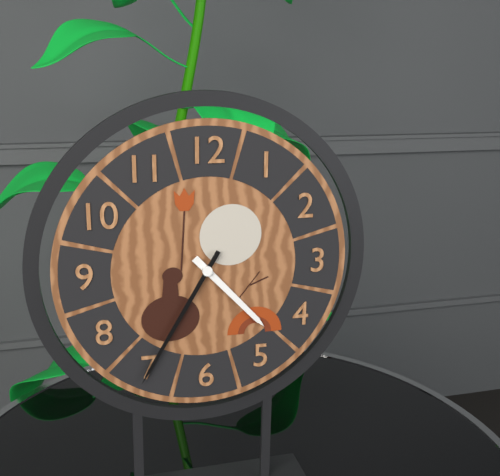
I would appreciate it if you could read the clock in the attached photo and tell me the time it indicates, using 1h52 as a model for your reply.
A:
4h35
